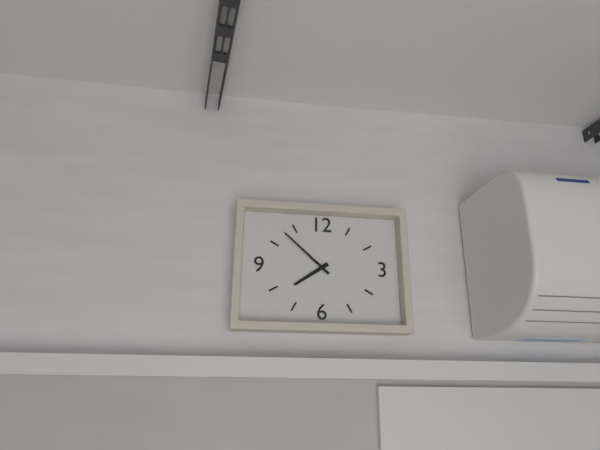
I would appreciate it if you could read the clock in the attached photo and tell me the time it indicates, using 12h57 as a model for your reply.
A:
7h52
